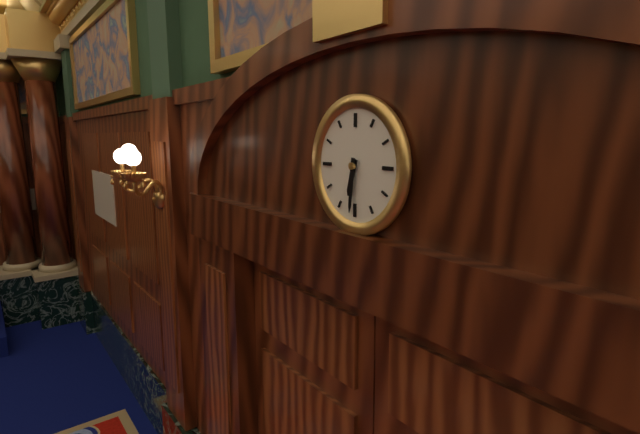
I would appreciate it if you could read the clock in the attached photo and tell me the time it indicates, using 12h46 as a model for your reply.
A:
6h31
